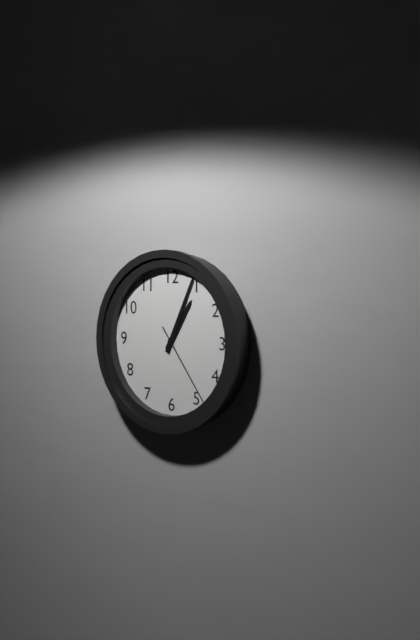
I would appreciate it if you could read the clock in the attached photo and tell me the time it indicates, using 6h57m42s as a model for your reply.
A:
1h04m24s
